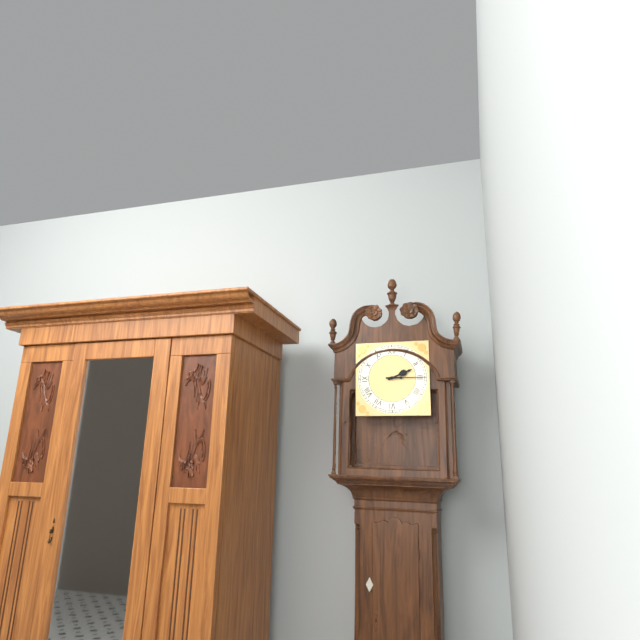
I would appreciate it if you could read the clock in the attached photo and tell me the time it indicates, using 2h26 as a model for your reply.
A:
2h15
